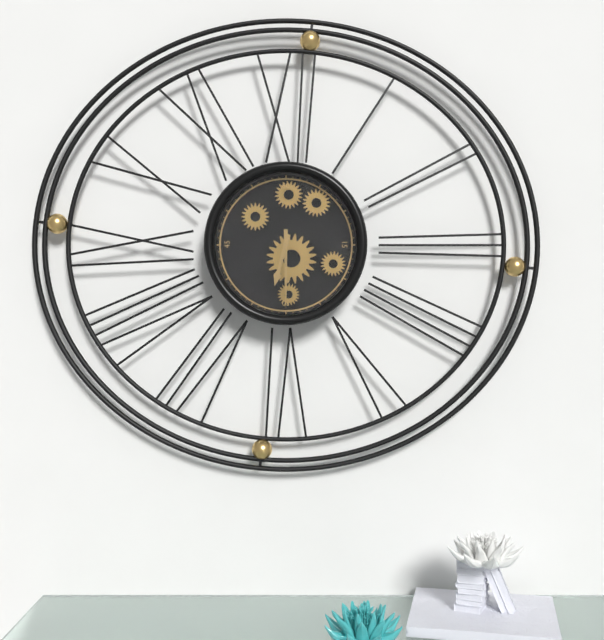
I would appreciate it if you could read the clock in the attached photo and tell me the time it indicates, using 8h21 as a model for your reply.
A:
6h30
